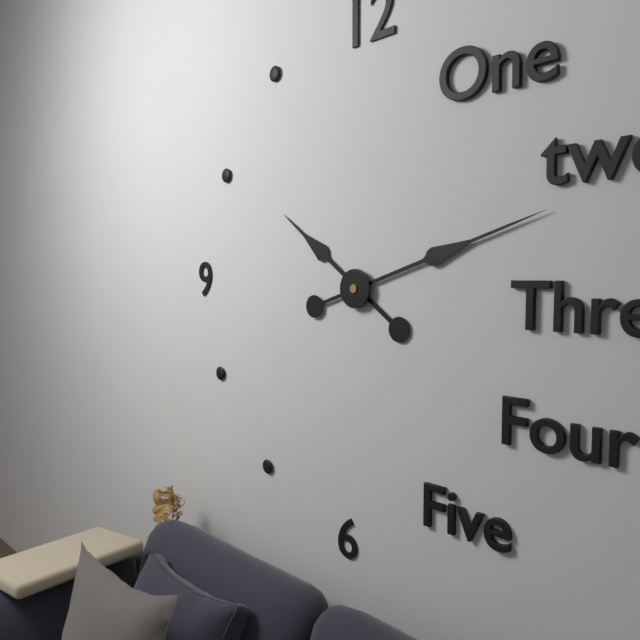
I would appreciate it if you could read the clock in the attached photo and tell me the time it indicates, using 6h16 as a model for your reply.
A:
10h12
